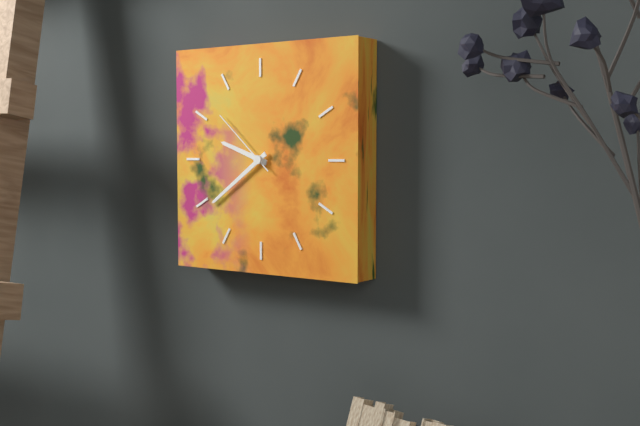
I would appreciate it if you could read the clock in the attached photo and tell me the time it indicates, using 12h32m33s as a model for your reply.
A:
9h39m52s
